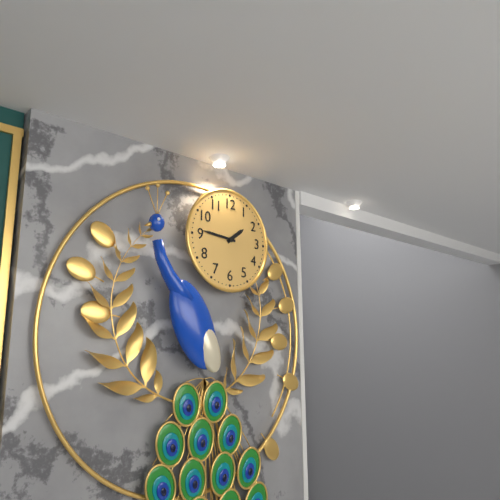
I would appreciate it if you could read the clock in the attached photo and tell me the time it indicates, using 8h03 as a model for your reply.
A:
1h46
